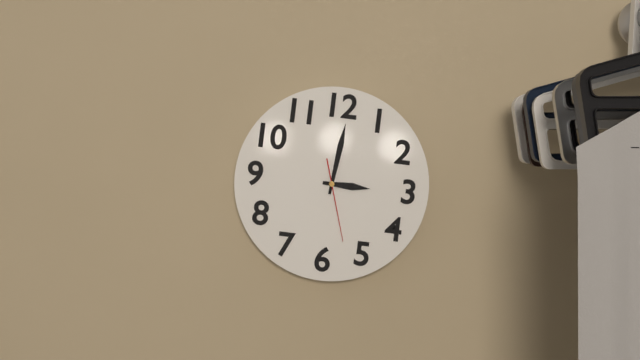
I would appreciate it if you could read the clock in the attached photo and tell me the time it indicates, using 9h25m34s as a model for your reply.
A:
3h01m27s
